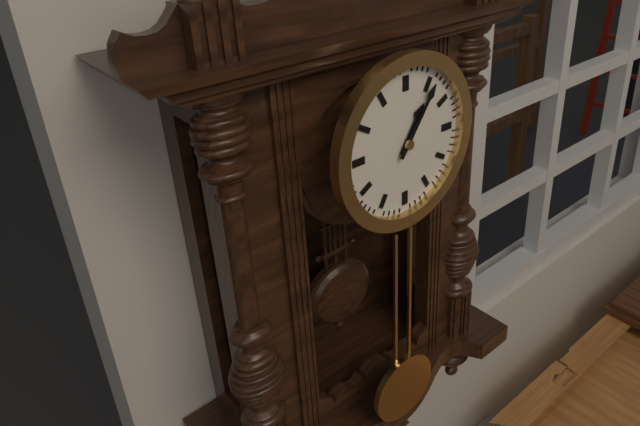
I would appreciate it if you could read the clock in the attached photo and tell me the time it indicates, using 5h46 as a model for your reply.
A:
1h06
